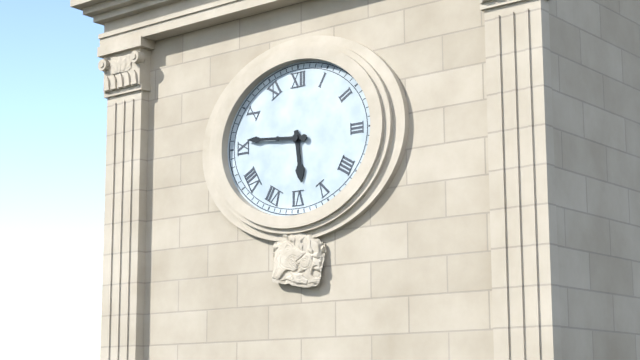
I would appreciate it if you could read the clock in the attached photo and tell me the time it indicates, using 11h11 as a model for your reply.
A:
5h46
